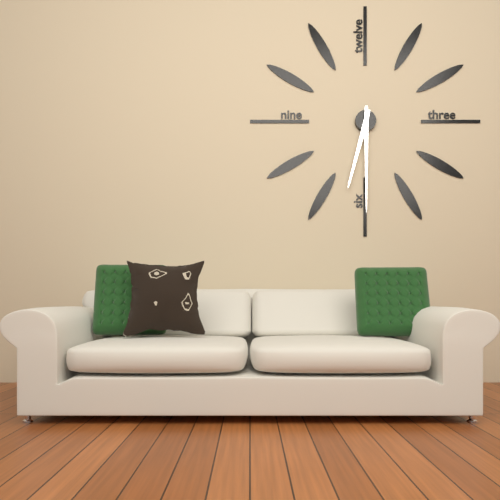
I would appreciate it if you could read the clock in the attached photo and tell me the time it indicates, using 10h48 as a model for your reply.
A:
6h30
